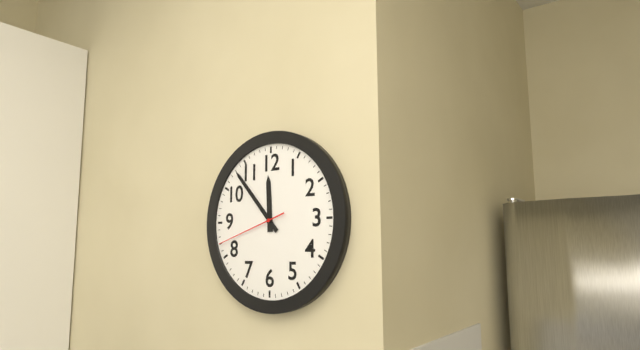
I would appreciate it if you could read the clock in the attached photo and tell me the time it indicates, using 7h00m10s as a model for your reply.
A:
11h53m42s
